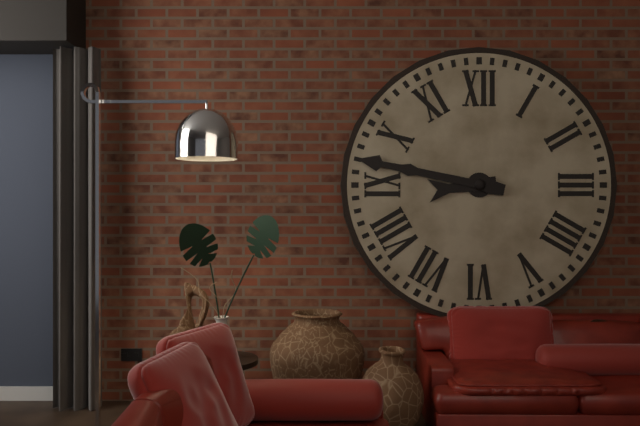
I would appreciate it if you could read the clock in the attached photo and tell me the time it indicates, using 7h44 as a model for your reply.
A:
8h47
